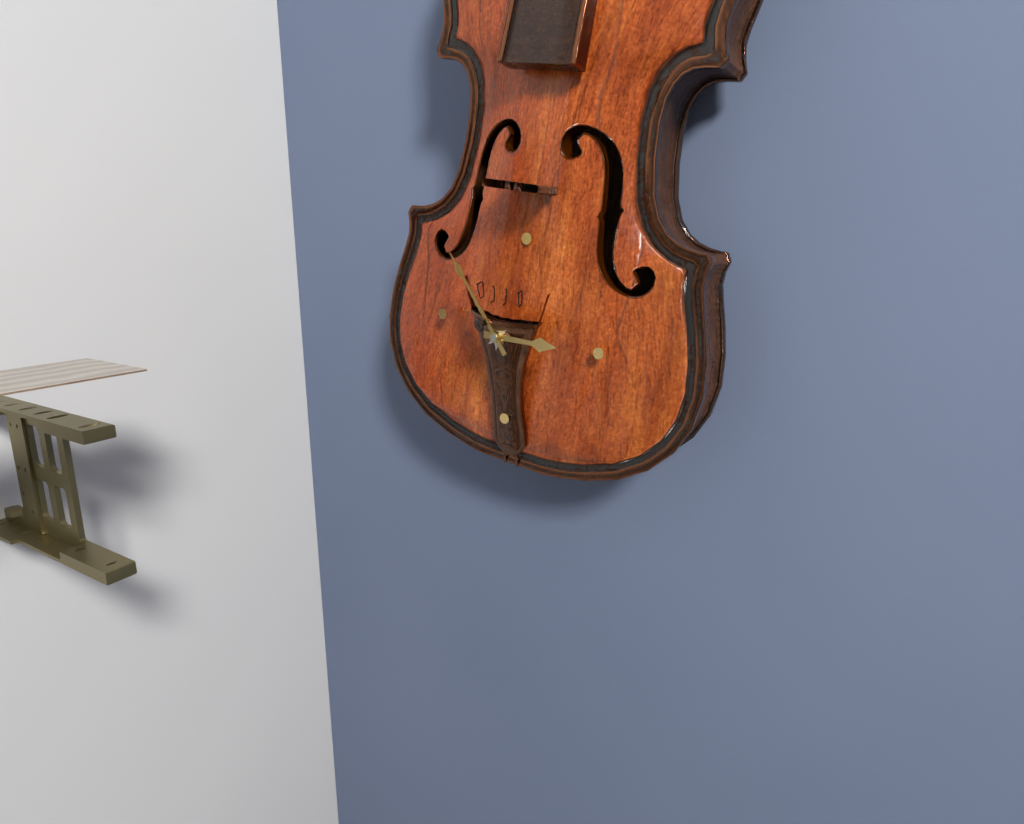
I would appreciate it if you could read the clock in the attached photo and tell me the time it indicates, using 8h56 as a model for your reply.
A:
2h53
